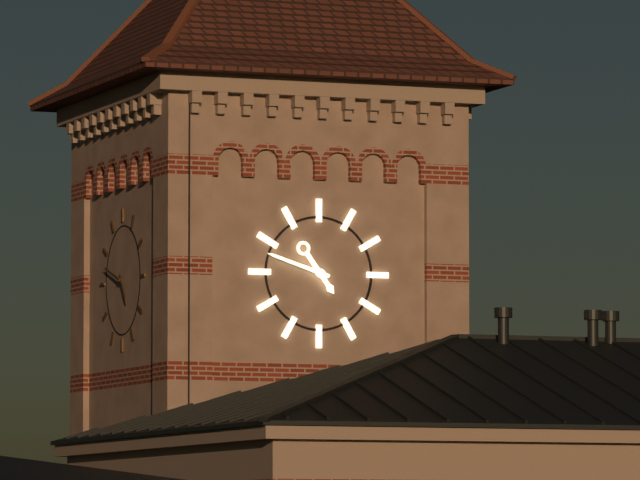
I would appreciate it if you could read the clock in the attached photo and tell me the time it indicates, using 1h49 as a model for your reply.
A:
4h48
